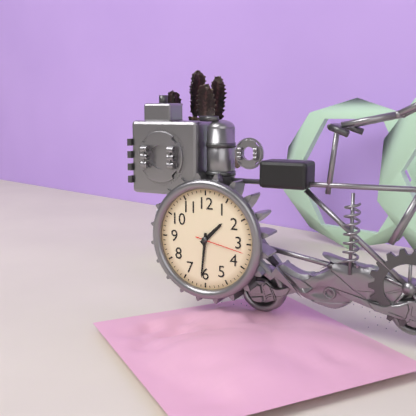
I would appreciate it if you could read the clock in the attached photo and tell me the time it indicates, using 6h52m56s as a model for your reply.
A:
1h31m17s
